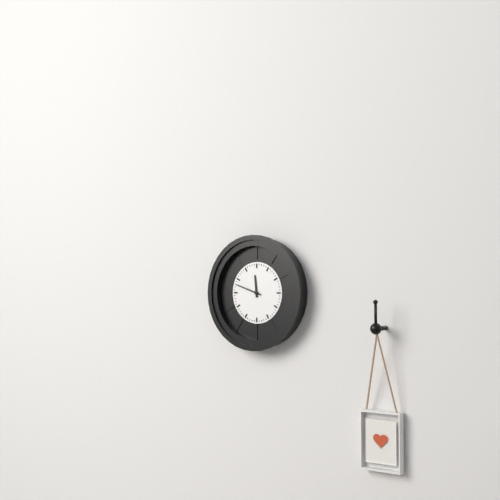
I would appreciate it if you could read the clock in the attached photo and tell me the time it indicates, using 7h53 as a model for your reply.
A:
11h48
